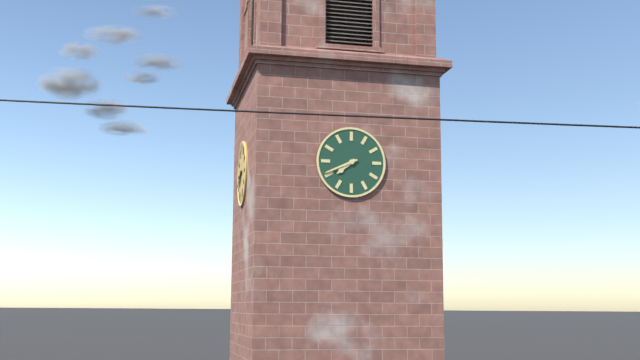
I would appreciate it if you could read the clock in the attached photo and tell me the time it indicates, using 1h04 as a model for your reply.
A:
7h41
